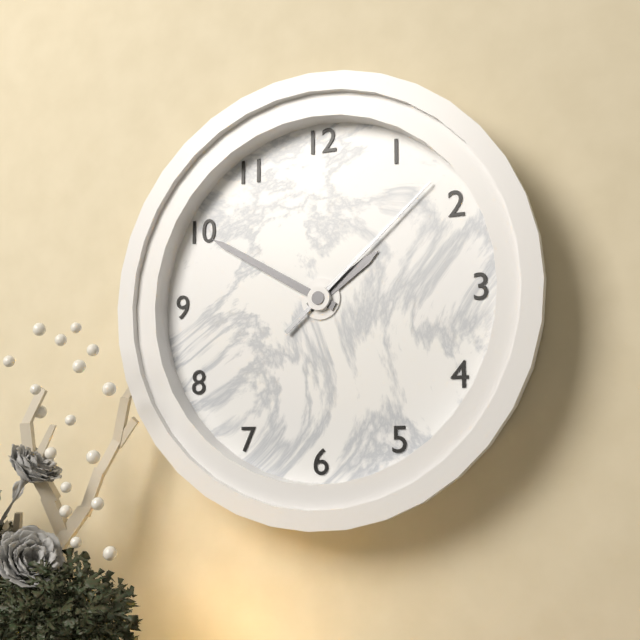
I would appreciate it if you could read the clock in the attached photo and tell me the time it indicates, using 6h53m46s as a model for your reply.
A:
1h50m08s
